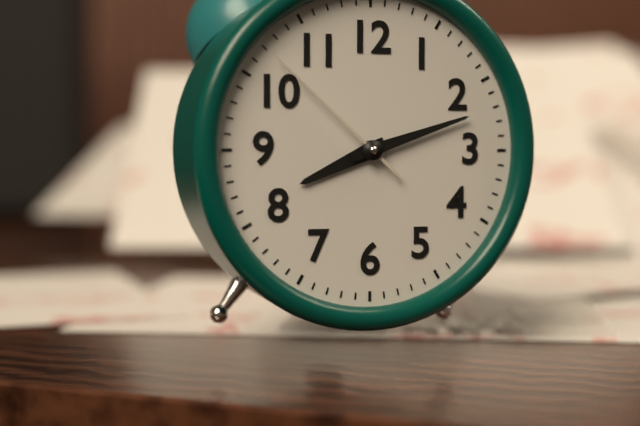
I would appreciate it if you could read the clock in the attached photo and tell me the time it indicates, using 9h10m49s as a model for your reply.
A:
8h12m52s
